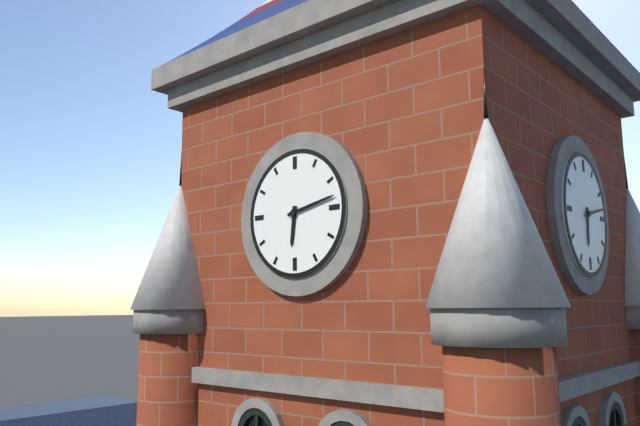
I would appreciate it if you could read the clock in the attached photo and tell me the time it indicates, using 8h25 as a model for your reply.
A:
6h13
